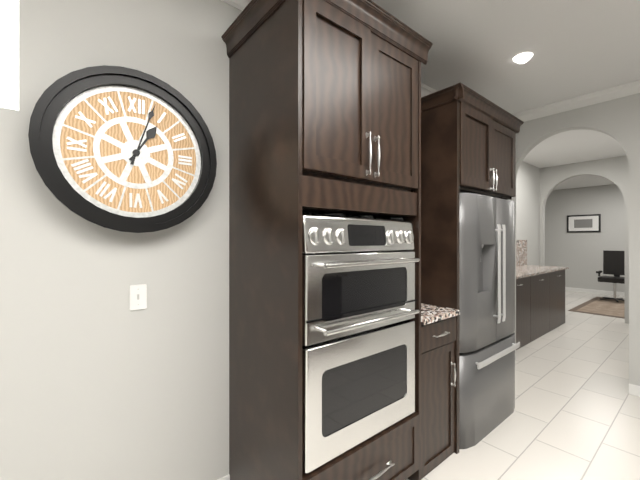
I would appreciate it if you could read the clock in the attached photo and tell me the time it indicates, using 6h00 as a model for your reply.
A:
1h03
